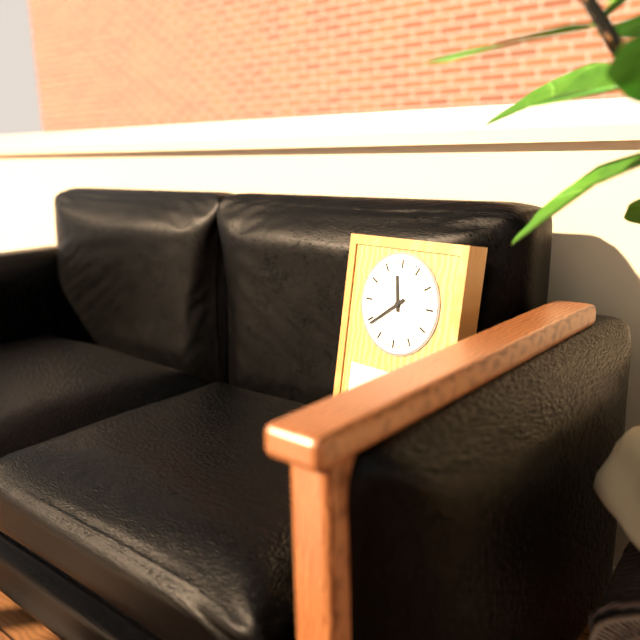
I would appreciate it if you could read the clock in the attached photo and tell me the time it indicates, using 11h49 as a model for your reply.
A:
11h39
